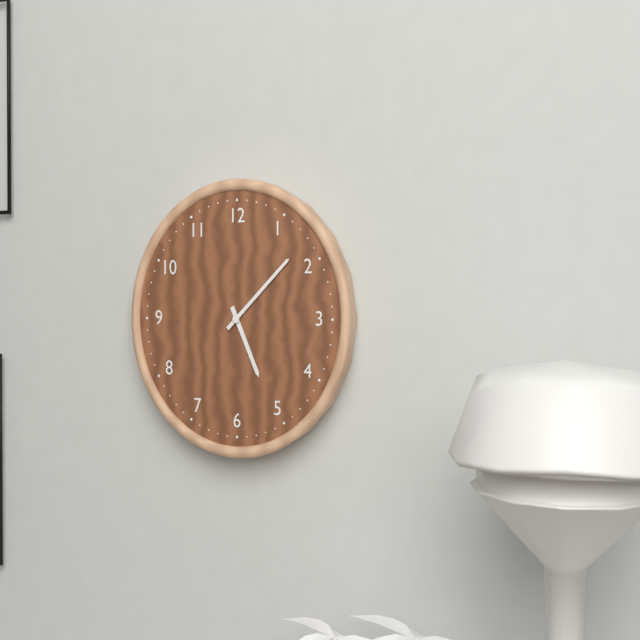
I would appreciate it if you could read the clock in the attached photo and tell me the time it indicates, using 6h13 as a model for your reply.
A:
5h08
